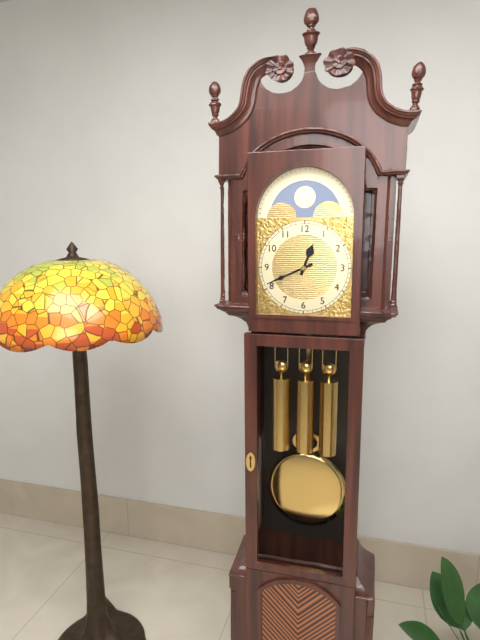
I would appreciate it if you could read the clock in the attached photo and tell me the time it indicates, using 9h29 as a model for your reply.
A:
12h41
